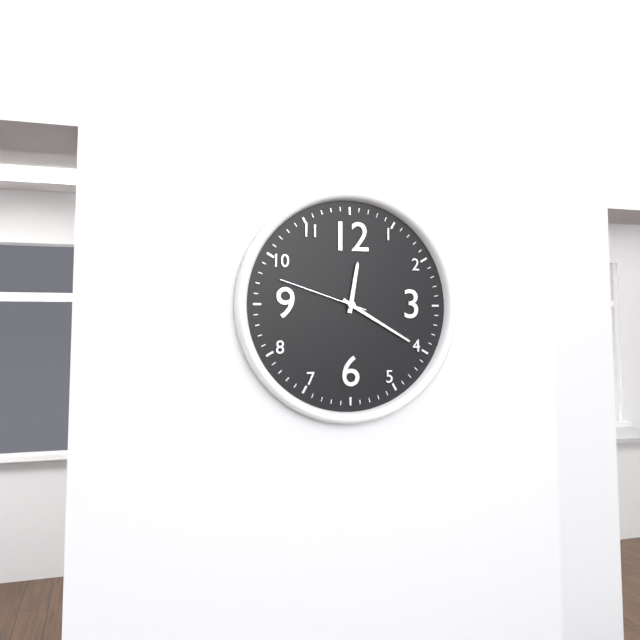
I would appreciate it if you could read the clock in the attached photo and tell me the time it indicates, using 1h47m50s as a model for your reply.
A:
12h20m48s
